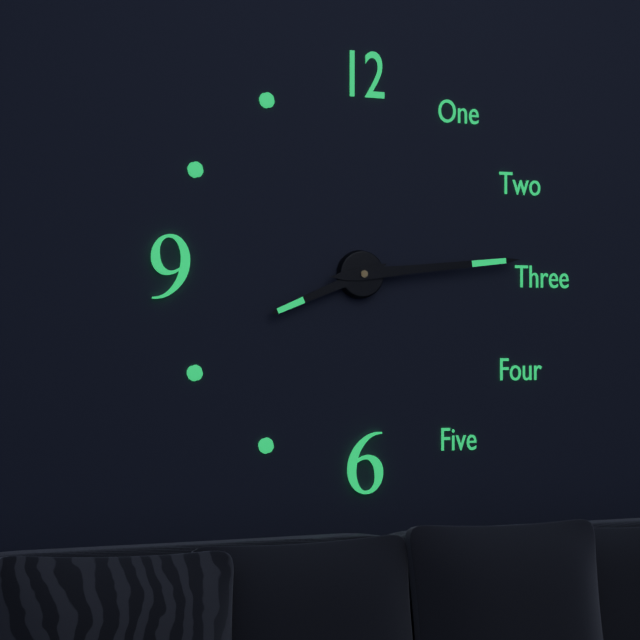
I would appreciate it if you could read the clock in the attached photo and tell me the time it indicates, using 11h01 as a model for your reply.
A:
8h14
